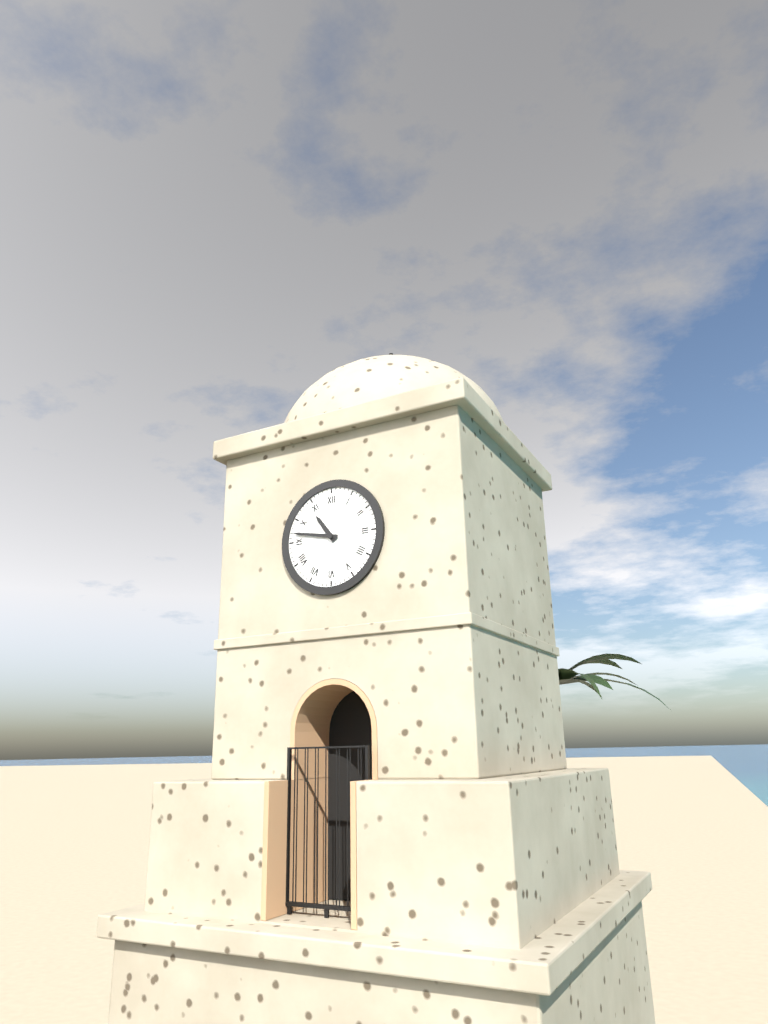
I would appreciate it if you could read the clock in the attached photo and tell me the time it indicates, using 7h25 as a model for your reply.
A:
10h47
